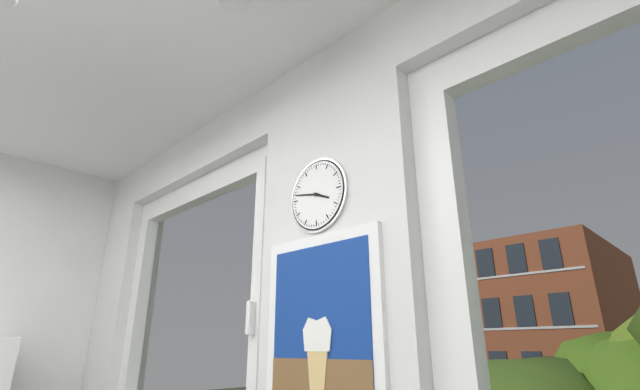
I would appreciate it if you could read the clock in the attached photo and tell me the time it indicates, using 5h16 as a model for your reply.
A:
3h47
